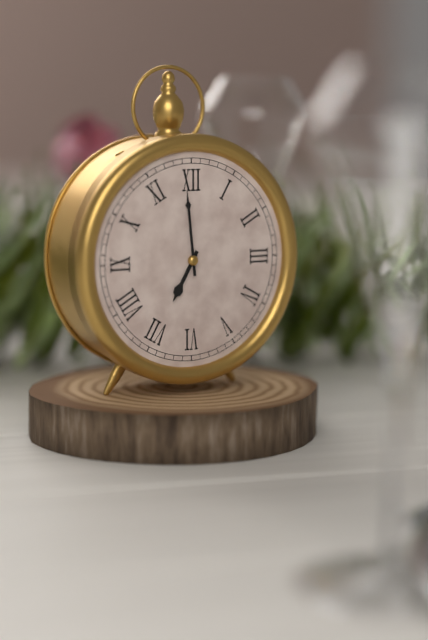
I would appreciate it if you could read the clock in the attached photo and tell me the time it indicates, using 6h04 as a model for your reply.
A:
6h59
